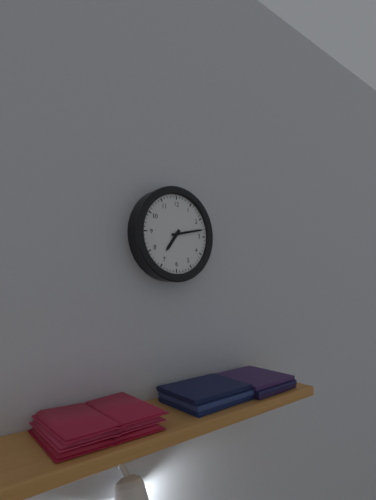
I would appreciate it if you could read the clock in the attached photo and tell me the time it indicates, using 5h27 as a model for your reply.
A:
7h13
